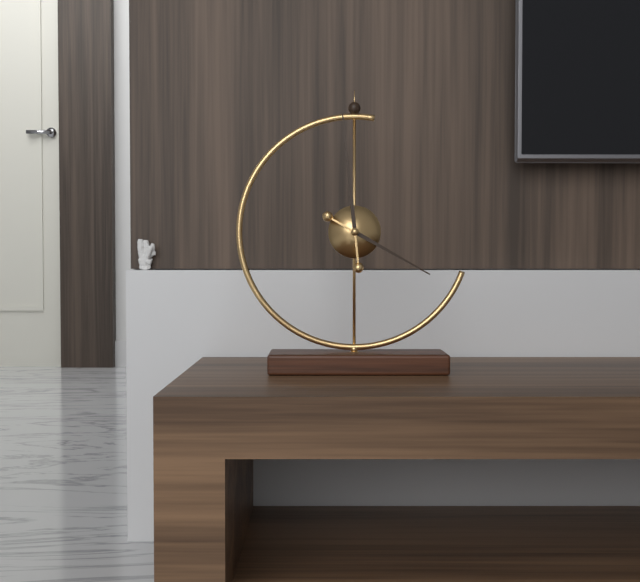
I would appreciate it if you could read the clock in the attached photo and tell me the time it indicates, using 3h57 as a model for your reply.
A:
3h59
